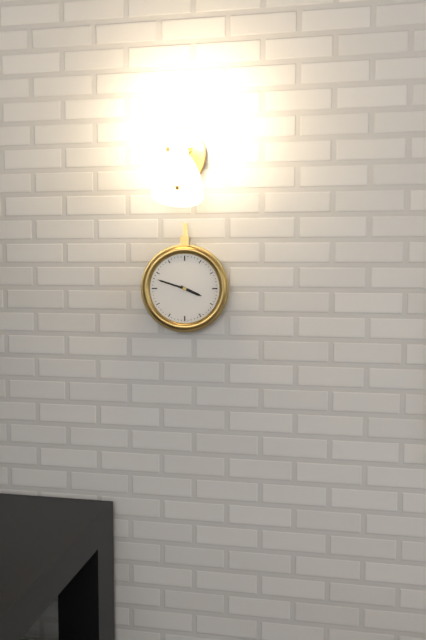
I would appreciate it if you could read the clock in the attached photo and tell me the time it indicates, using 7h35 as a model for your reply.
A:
3h48
